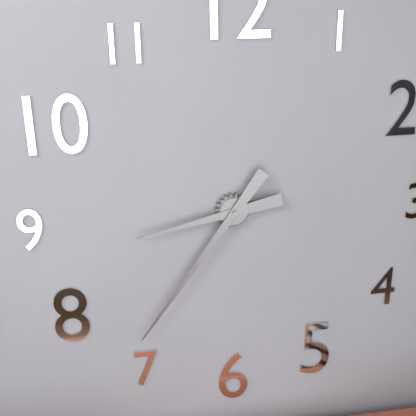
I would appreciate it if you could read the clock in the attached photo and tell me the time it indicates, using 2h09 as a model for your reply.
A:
8h36
